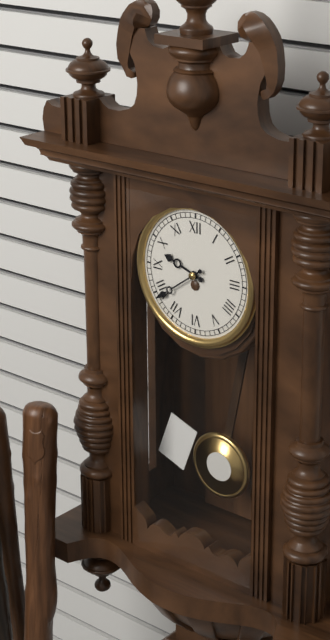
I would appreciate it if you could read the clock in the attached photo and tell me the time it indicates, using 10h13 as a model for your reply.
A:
9h39
